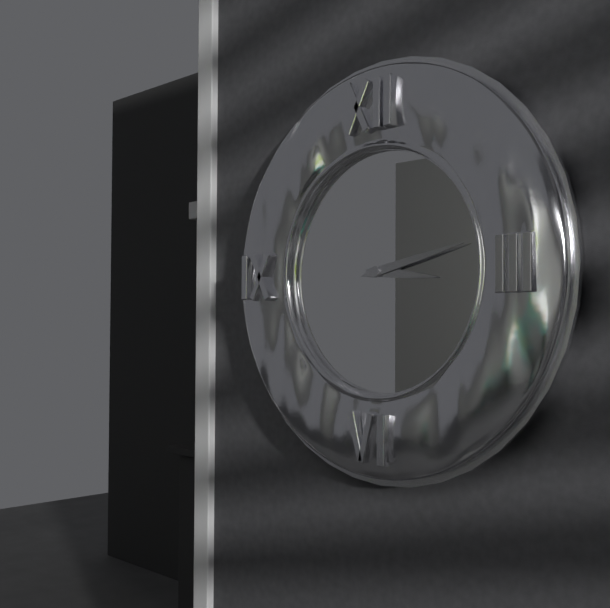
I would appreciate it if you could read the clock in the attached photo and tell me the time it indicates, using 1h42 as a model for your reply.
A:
3h13
